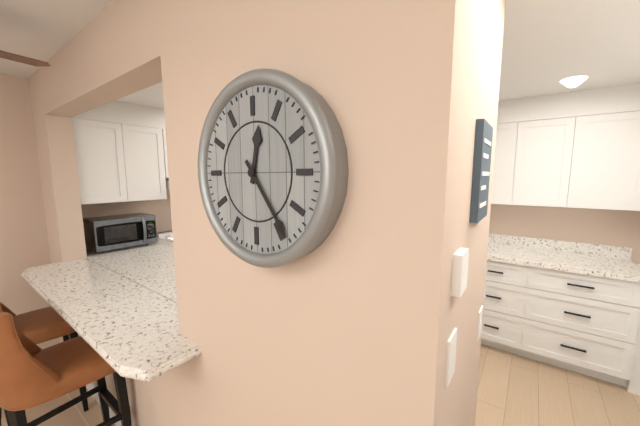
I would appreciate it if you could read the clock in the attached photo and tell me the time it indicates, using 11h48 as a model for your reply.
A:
12h24
